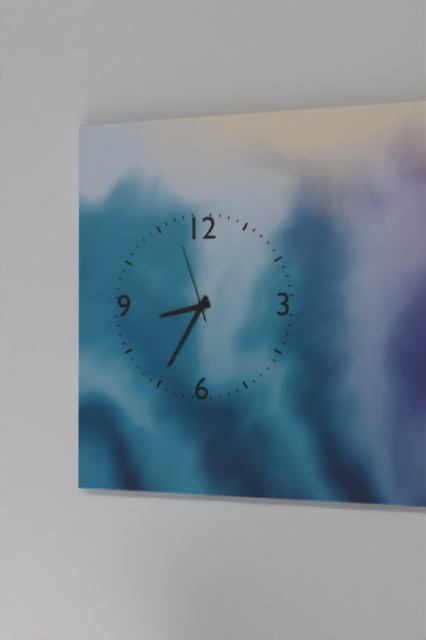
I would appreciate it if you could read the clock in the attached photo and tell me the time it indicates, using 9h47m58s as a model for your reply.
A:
8h35m57s
